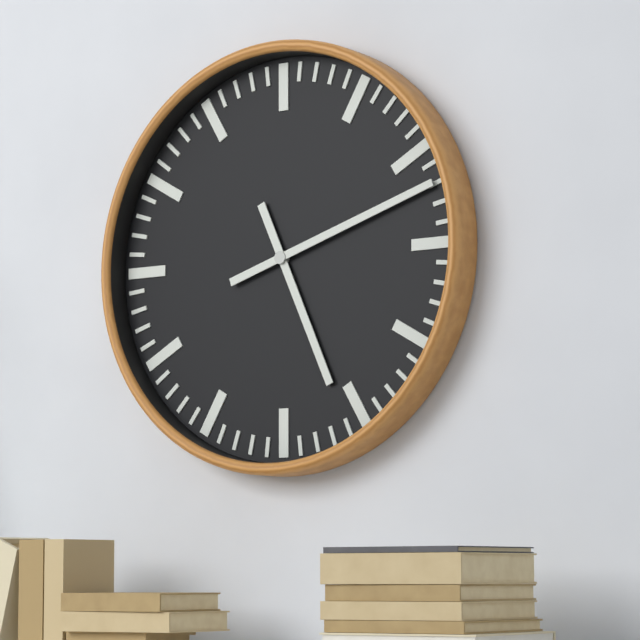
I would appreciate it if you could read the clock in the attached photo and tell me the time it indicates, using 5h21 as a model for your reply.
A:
5h12
